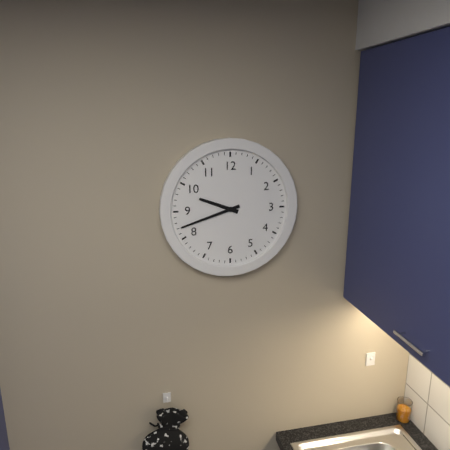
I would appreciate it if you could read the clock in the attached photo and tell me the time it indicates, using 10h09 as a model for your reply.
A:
9h42
